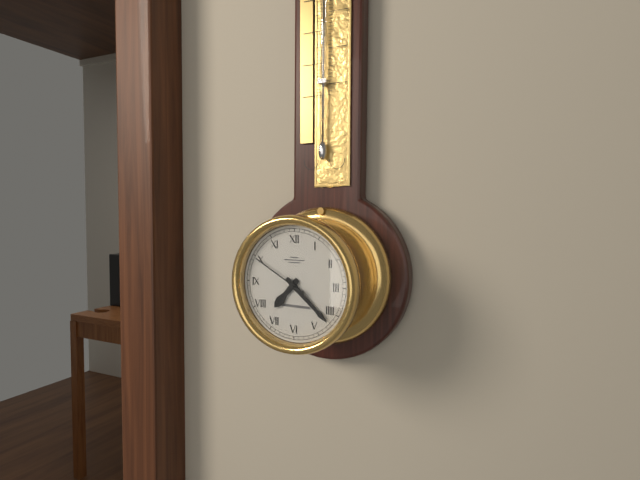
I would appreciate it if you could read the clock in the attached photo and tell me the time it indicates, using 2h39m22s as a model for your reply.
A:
7h22m50s
